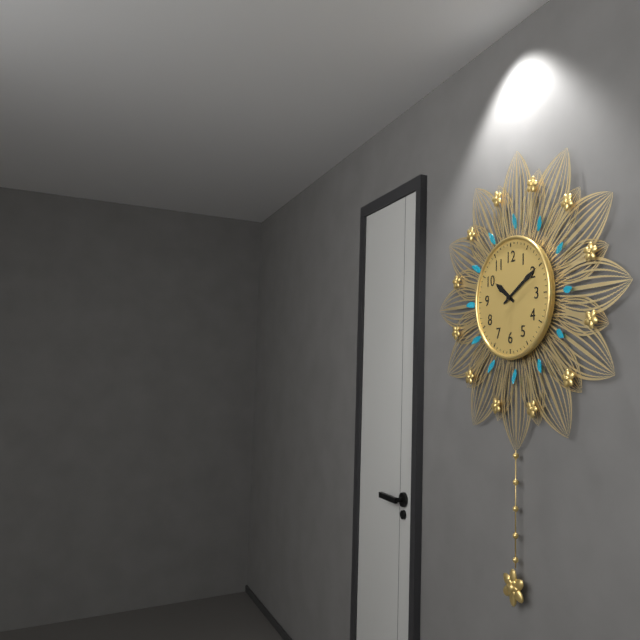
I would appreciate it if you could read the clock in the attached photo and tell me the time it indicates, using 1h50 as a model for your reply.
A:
10h10
